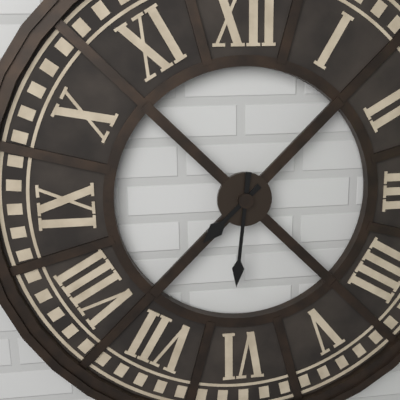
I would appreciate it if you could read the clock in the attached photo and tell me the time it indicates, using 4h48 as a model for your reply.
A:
7h31
